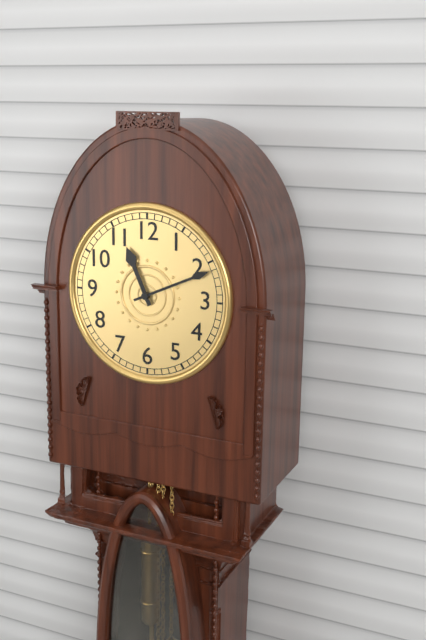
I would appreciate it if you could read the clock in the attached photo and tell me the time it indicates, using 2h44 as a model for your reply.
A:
11h11
